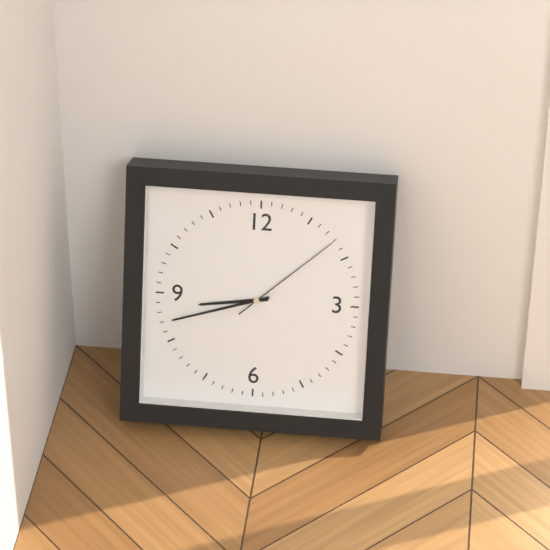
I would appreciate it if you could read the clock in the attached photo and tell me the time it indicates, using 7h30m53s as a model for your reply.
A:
8h42m08s
